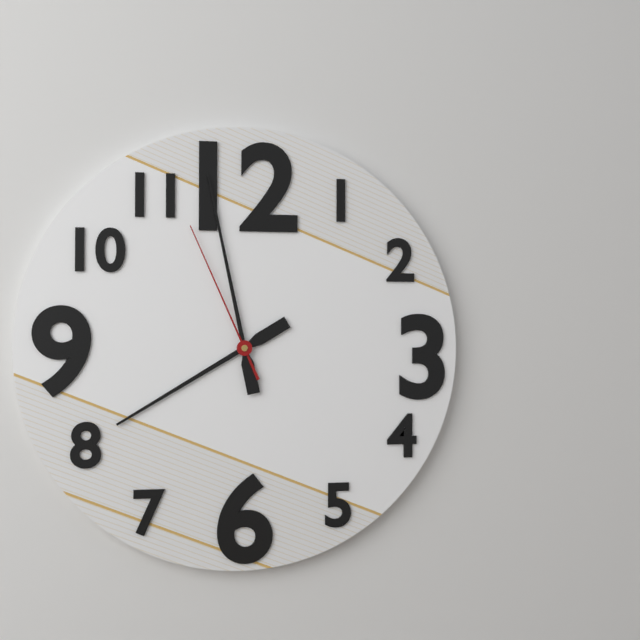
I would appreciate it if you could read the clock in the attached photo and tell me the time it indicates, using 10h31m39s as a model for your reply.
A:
7h58m56s
